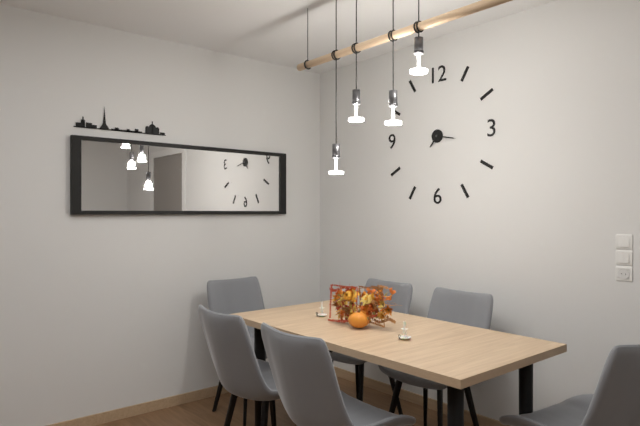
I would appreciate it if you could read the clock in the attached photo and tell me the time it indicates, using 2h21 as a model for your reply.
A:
7h17
